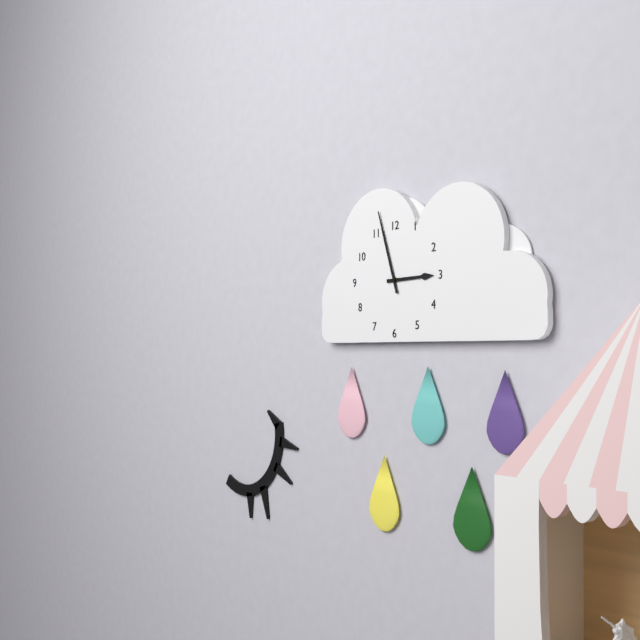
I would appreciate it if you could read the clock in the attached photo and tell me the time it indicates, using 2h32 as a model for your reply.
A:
2h57
